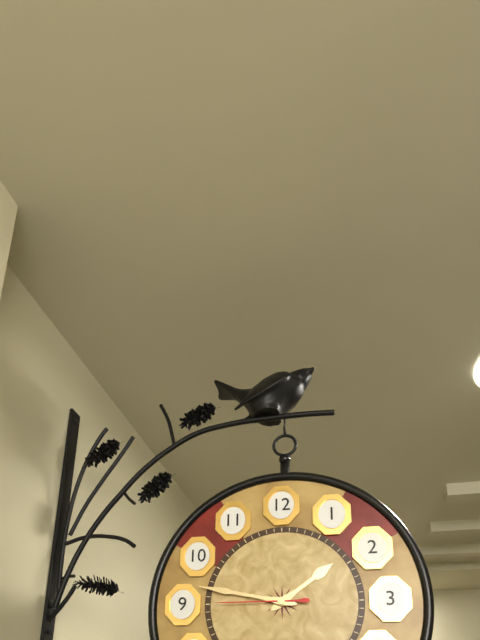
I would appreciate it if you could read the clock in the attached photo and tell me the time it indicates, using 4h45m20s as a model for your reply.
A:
1h47m45s
